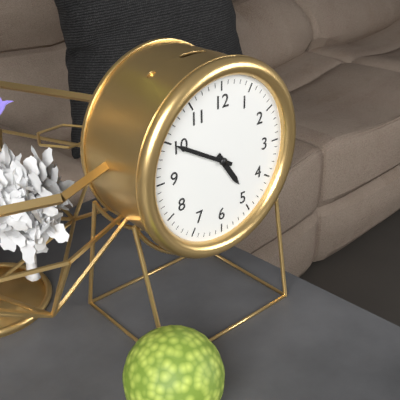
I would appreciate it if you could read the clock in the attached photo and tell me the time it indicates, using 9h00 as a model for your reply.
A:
4h50
